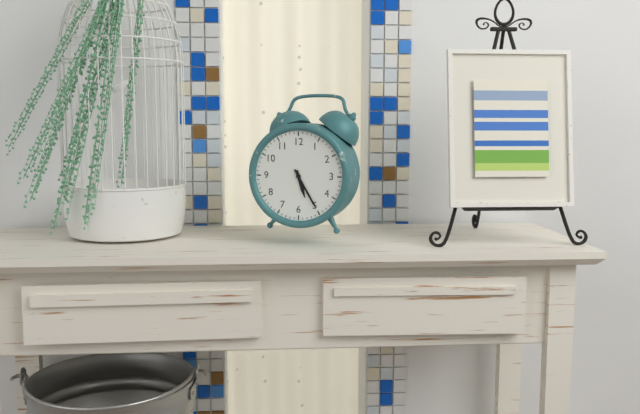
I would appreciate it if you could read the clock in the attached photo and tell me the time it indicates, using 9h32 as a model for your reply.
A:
5h25
